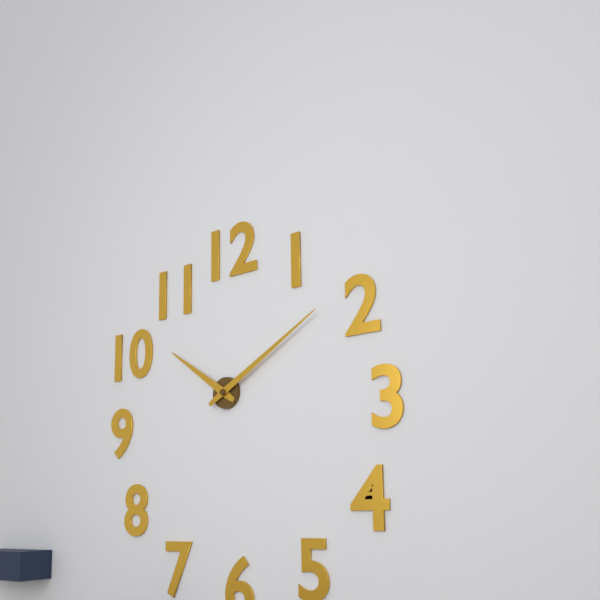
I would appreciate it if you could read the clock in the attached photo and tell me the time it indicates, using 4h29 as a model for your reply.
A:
10h10
